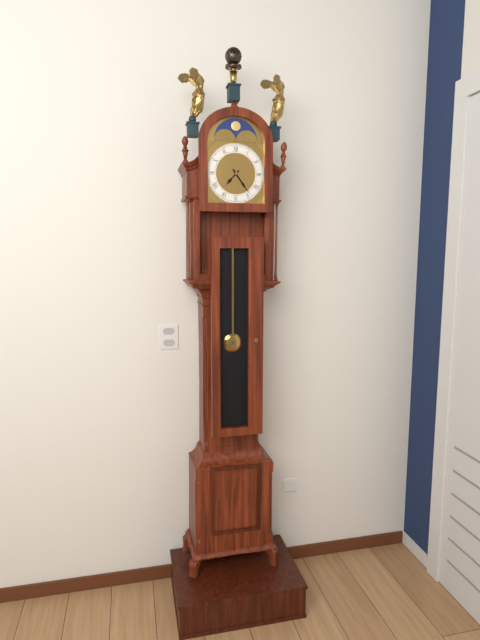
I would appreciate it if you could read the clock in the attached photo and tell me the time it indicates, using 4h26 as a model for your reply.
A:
7h24
